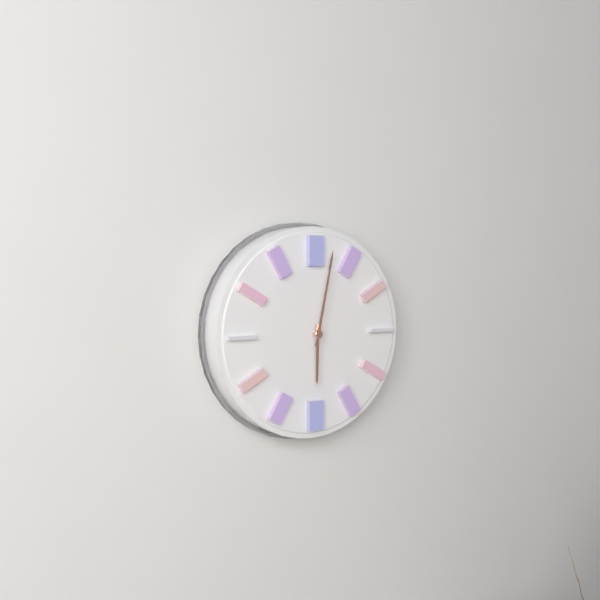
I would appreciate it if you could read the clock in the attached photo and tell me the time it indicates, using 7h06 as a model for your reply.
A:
6h02
